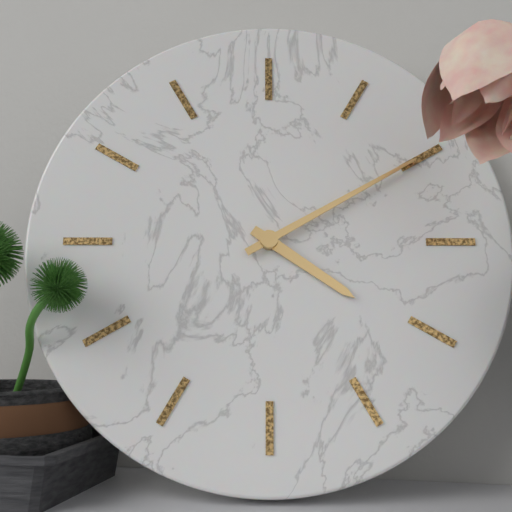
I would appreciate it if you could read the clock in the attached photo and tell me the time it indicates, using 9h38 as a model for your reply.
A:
4h10
